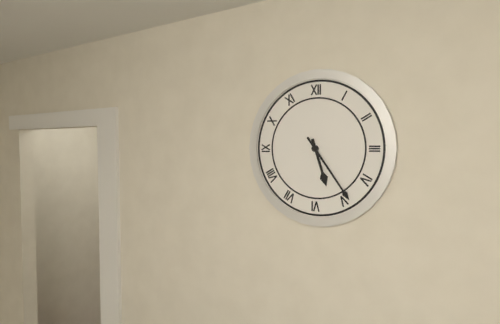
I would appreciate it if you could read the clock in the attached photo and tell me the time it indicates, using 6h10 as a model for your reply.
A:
5h24
